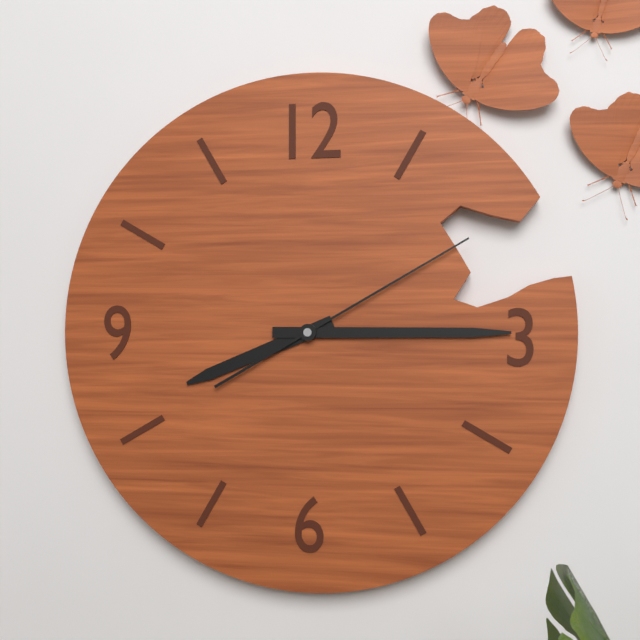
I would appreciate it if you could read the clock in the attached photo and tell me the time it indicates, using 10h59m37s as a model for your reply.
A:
8h15m10s
